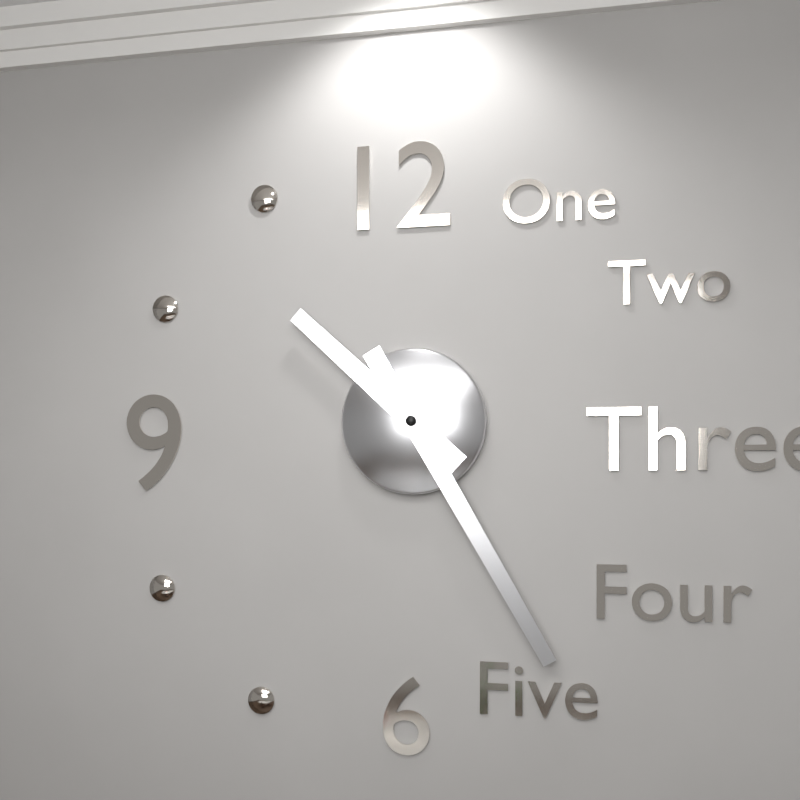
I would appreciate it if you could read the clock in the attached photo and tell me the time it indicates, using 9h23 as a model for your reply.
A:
10h25
